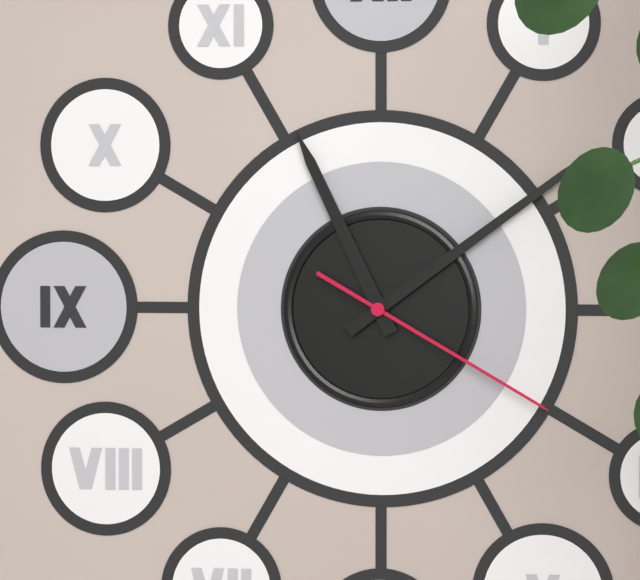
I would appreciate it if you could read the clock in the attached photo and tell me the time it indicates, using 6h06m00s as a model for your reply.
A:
11h09m20s
